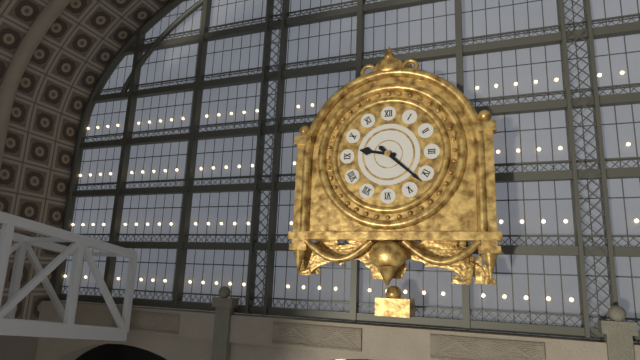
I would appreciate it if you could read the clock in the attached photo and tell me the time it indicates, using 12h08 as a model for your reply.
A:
9h22
